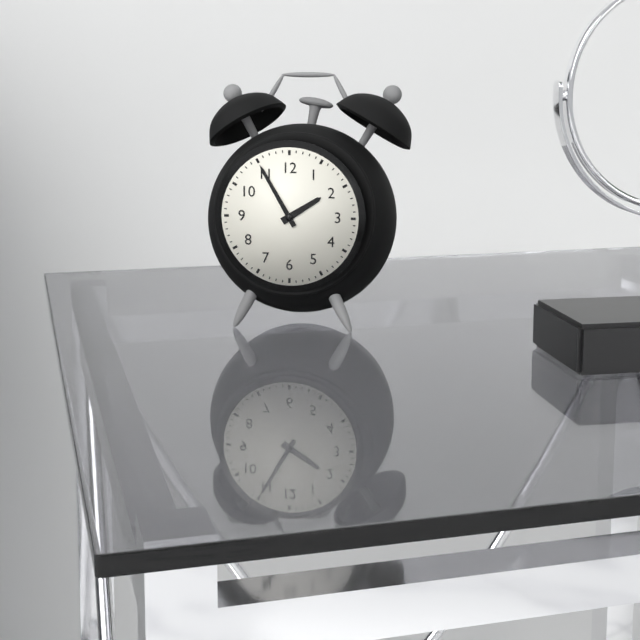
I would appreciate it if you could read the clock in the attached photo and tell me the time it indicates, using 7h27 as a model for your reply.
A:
1h55
